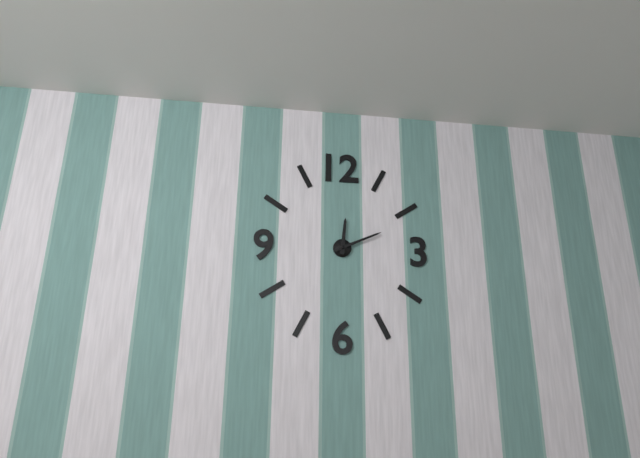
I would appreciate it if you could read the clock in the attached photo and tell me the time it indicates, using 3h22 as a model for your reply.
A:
12h11
